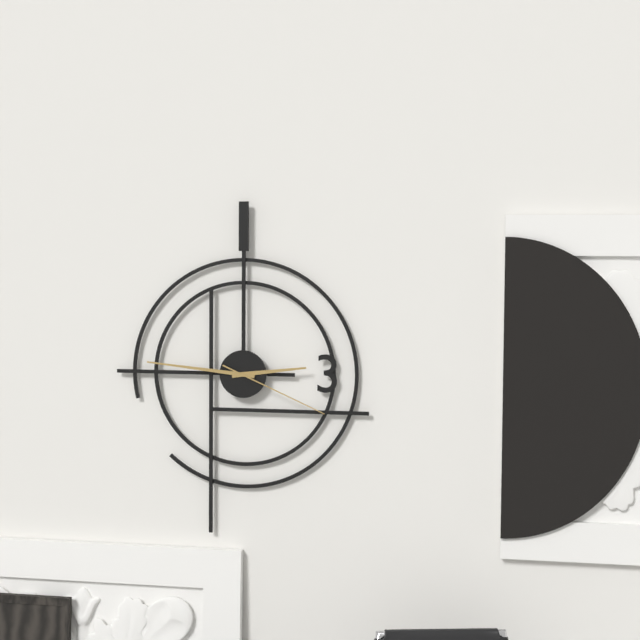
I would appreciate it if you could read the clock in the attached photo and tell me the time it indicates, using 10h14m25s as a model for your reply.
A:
2h46m19s
